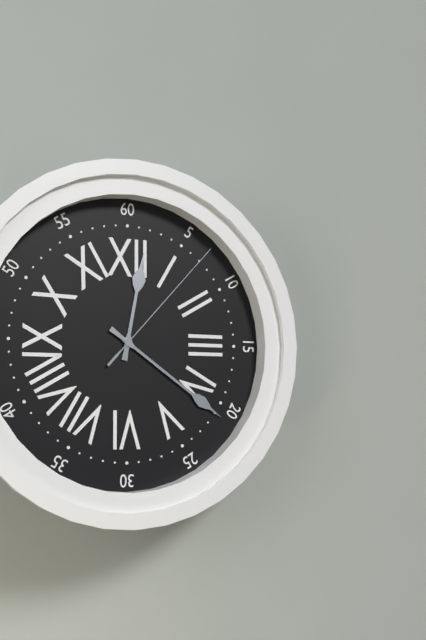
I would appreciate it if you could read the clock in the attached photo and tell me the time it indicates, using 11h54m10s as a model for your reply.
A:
12h21m07s
